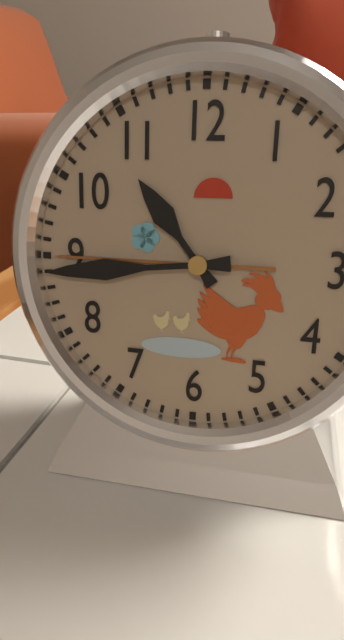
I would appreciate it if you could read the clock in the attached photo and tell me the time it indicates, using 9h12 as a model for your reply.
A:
10h44
